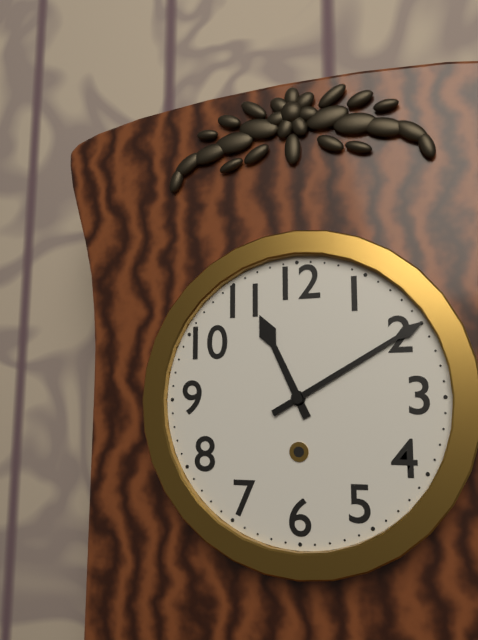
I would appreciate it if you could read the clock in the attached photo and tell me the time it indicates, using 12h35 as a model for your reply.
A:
11h10
